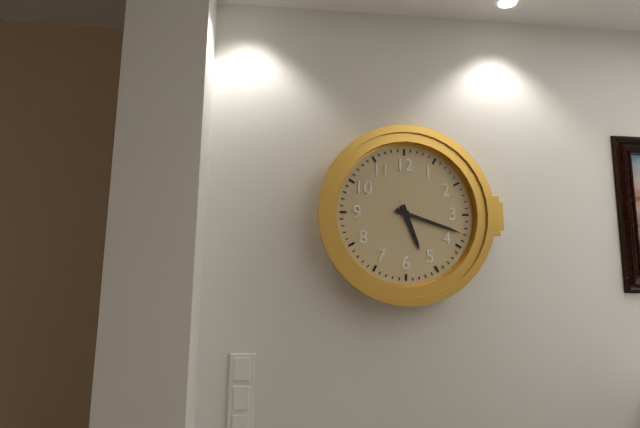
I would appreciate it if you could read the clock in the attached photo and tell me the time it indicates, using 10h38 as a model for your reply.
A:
5h18
